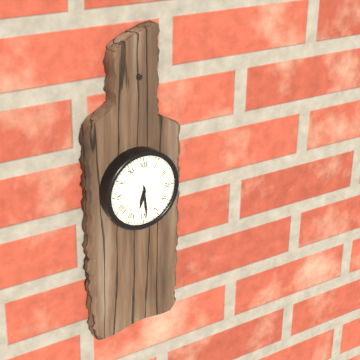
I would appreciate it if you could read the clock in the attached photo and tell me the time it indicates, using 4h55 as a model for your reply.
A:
6h29
